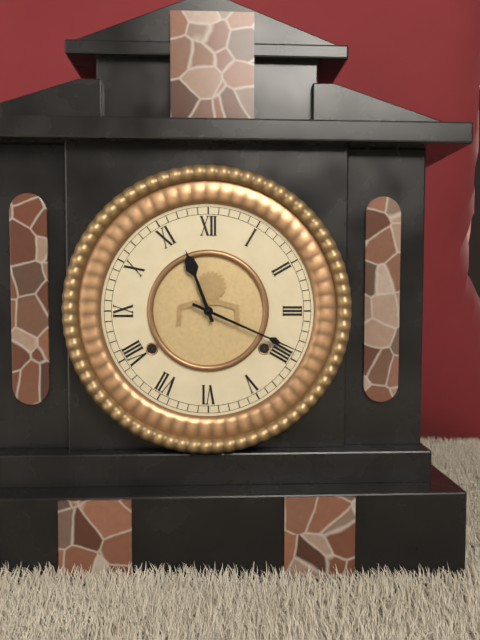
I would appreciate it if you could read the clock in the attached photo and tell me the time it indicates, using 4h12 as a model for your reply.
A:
11h19
